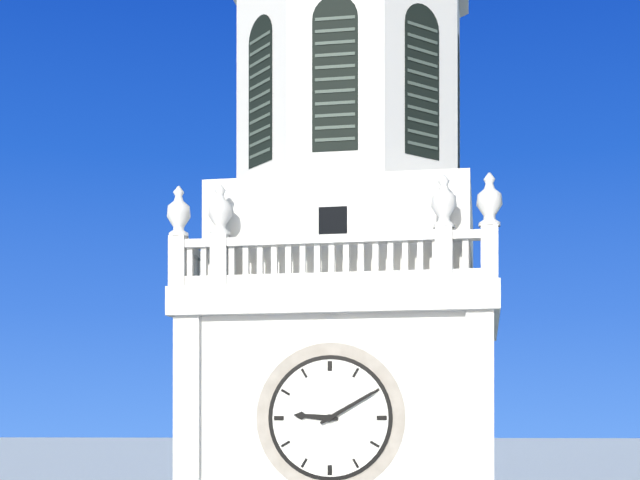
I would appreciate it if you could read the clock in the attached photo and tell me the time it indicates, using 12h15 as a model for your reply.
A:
9h10
